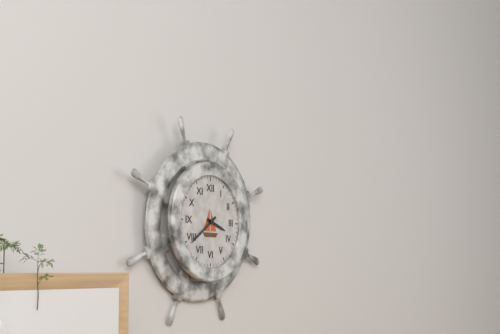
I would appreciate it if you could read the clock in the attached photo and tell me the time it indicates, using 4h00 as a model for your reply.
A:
3h39
